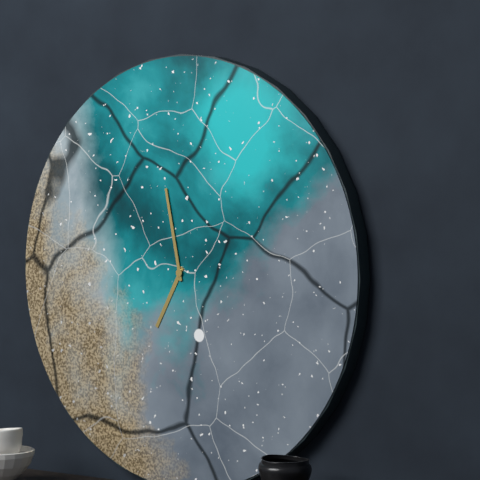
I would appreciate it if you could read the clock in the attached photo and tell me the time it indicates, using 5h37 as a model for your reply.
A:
6h58
